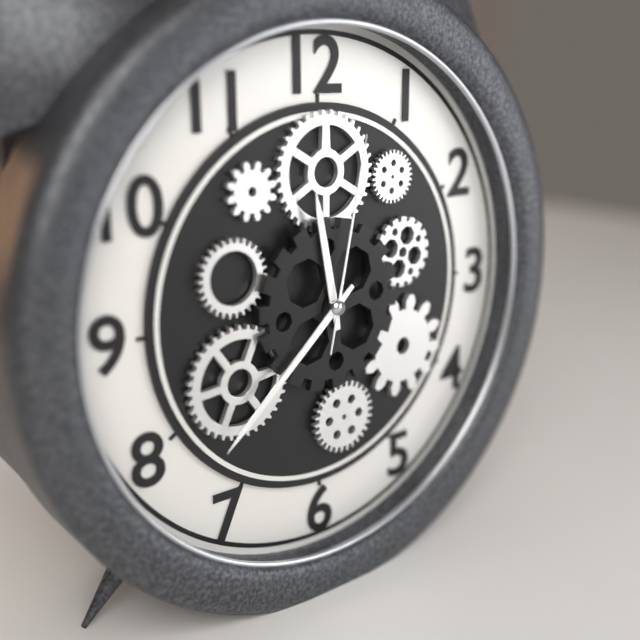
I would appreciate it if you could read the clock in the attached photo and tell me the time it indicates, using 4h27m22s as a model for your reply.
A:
11h38m02s
